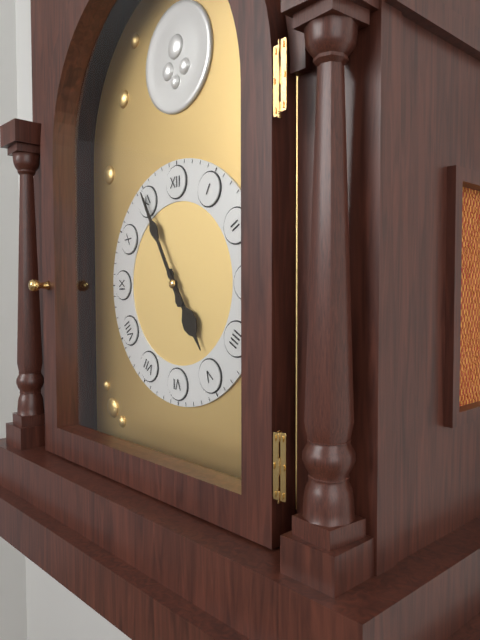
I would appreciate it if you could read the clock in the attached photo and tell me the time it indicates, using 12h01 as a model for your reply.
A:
4h55
